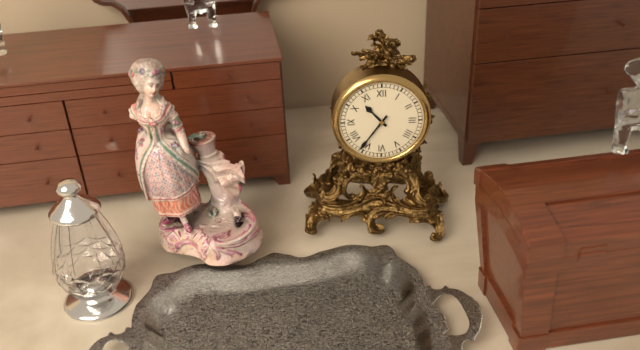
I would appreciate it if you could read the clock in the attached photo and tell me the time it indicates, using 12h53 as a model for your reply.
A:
10h36
